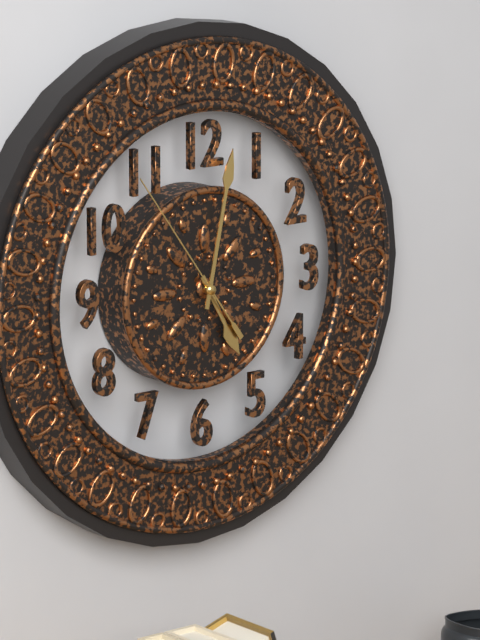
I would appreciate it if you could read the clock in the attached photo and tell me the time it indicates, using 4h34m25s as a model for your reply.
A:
5h02m54s
